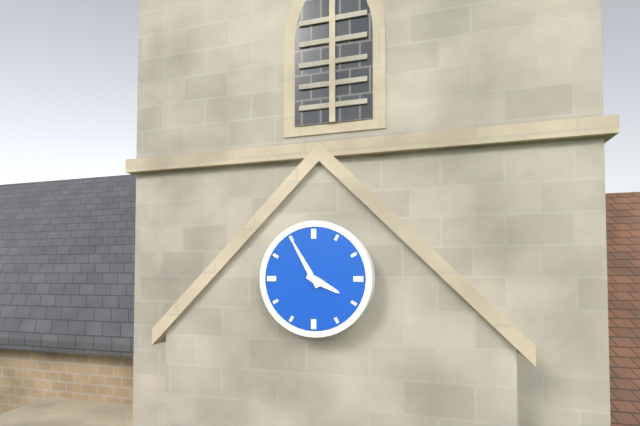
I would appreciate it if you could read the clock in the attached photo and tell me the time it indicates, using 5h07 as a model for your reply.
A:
3h55
